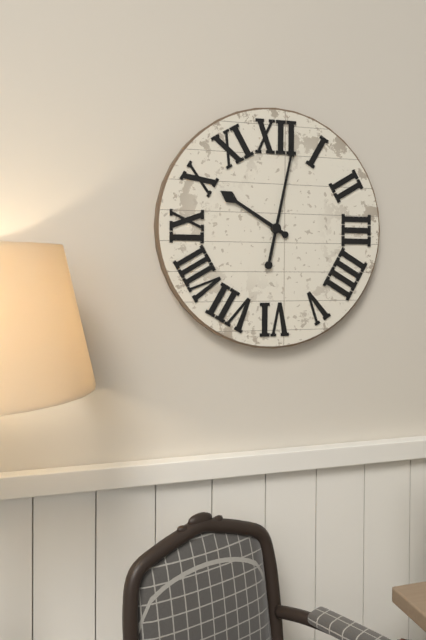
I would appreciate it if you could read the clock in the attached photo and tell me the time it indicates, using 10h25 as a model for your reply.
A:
10h02
